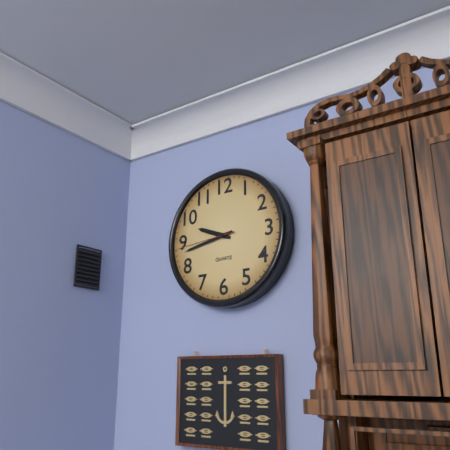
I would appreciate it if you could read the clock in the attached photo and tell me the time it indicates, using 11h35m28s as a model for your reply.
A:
9h43m44s
